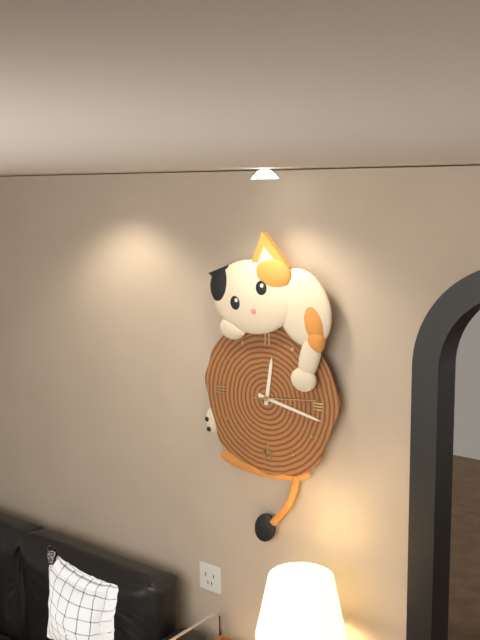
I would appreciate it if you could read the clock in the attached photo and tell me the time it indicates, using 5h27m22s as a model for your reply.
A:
12h17m14s
